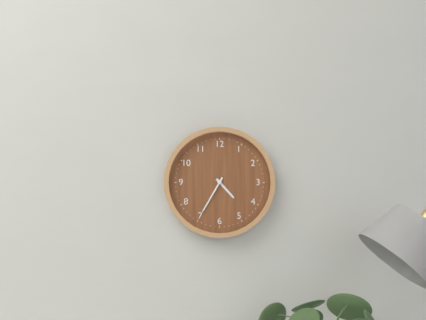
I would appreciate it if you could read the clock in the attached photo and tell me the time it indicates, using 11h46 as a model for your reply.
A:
4h35
